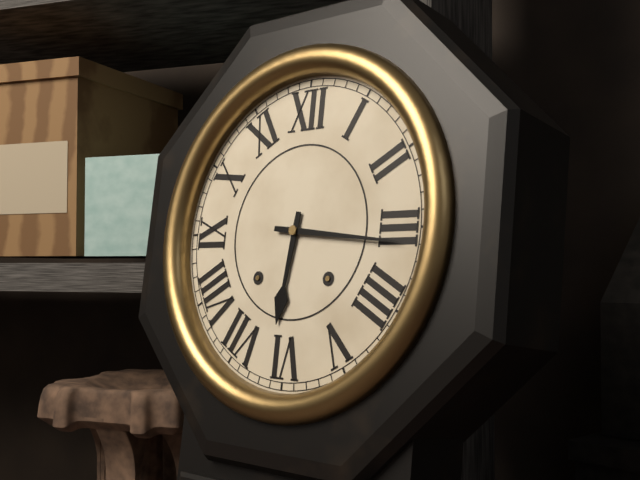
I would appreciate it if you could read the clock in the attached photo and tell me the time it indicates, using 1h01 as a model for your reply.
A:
6h16
